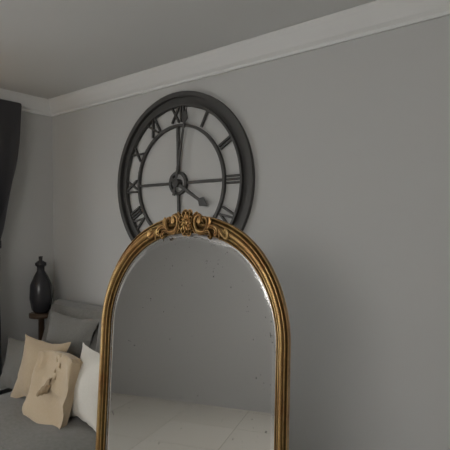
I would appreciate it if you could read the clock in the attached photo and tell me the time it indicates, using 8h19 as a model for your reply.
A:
4h02
